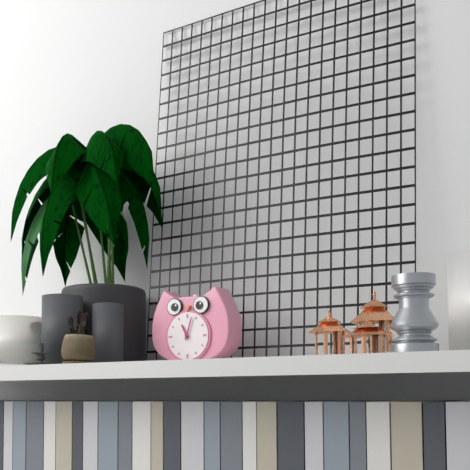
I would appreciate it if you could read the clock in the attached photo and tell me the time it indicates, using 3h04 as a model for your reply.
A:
11h03
